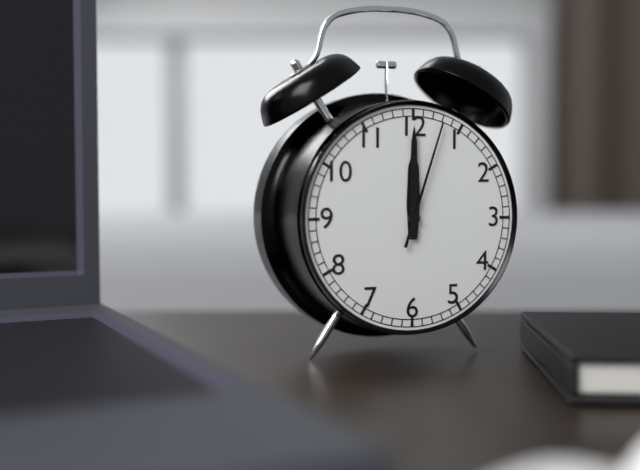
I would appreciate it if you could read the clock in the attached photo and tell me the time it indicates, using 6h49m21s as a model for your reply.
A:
12h00m03s
